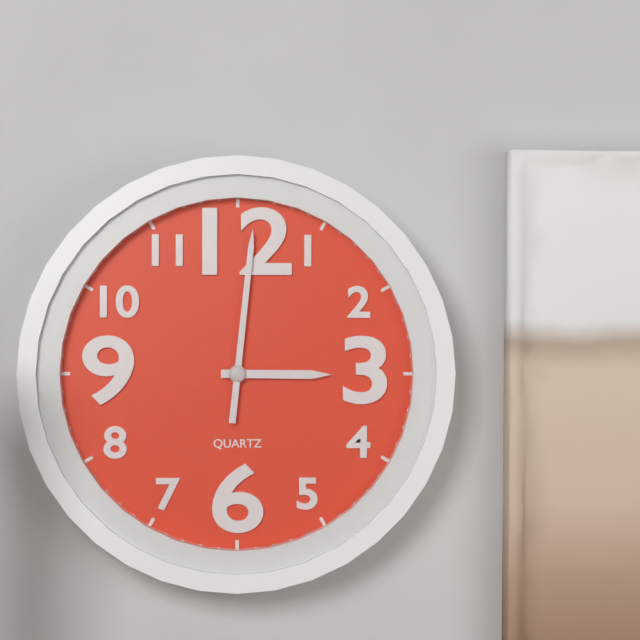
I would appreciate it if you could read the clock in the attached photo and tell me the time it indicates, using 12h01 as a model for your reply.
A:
3h01
